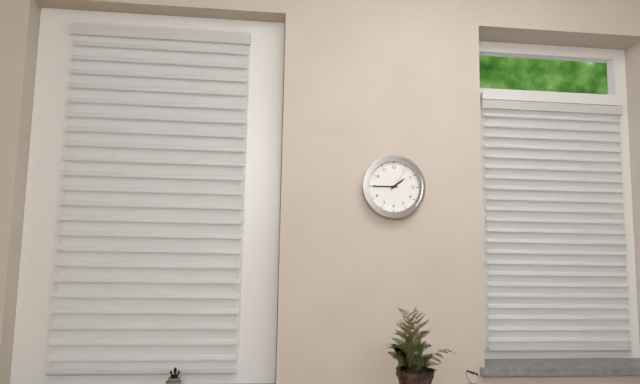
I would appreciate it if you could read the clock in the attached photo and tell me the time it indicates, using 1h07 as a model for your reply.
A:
1h45
